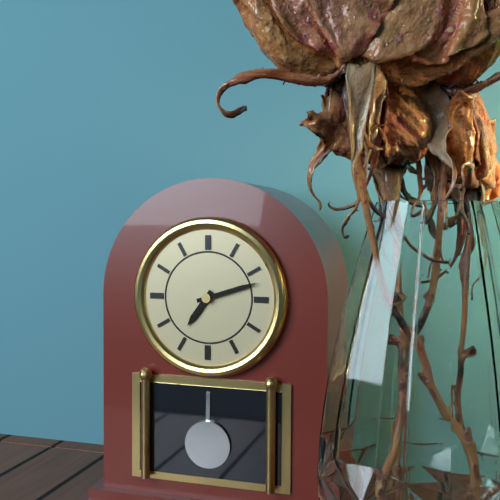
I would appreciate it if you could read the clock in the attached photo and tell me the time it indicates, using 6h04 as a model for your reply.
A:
7h12
